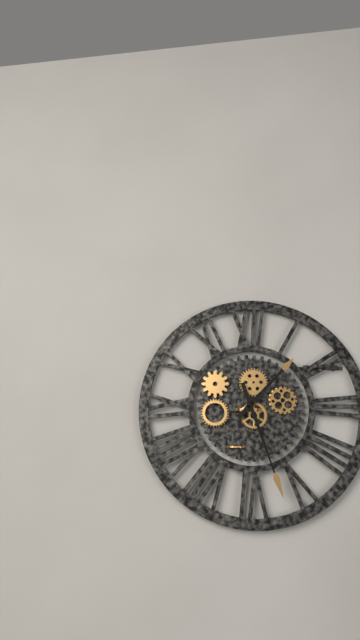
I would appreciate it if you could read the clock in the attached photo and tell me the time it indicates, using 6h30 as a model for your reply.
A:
1h27
